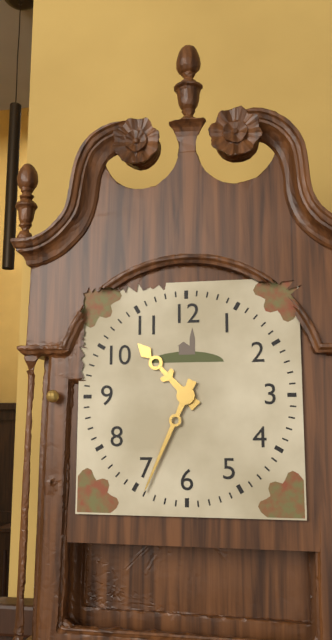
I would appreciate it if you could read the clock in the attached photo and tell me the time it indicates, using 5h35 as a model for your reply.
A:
10h34
